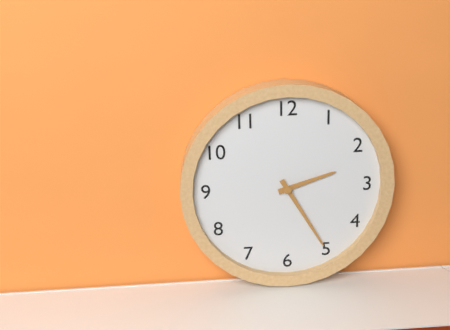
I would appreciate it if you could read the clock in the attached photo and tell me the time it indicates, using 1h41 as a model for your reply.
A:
2h25
